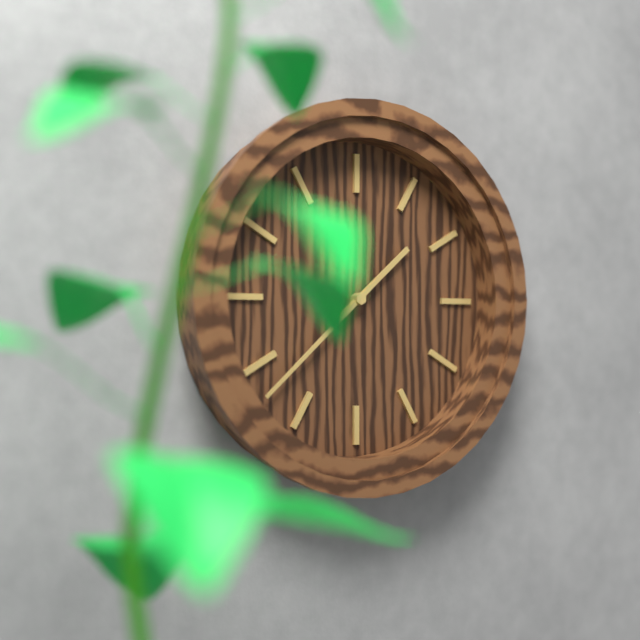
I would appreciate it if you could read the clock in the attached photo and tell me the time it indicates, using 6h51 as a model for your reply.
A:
1h38
